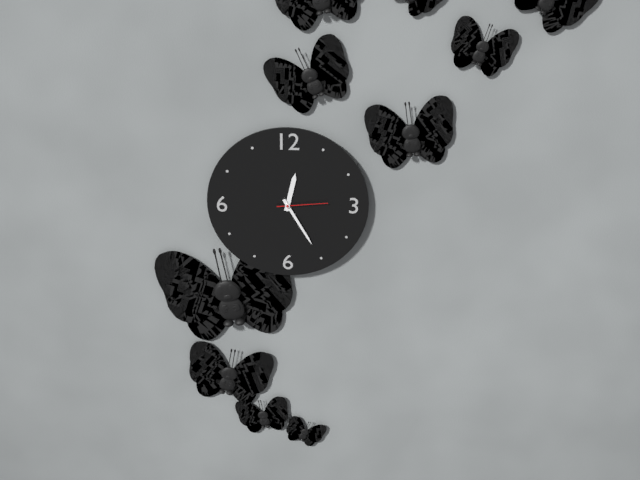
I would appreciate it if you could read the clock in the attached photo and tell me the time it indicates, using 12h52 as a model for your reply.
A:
12h25
